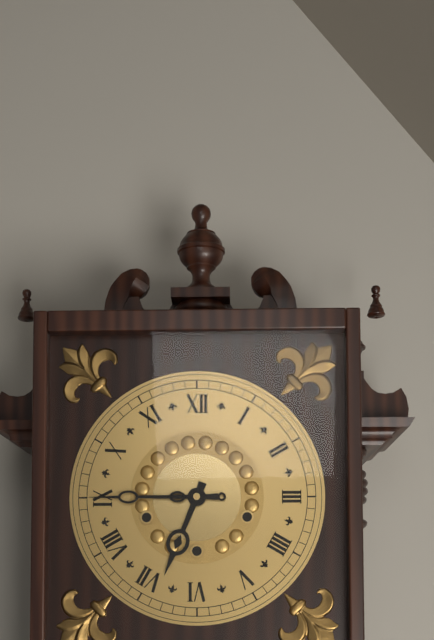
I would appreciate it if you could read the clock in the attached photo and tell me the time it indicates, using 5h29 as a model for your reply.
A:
6h45
